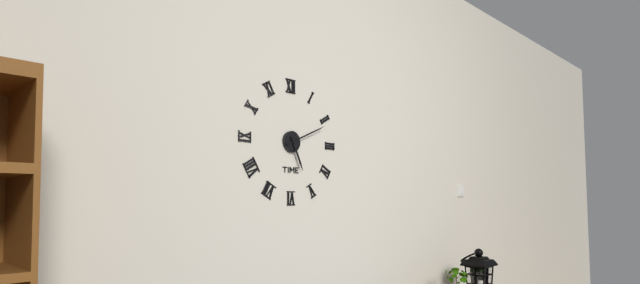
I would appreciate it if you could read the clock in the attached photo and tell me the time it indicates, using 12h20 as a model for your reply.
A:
5h11
